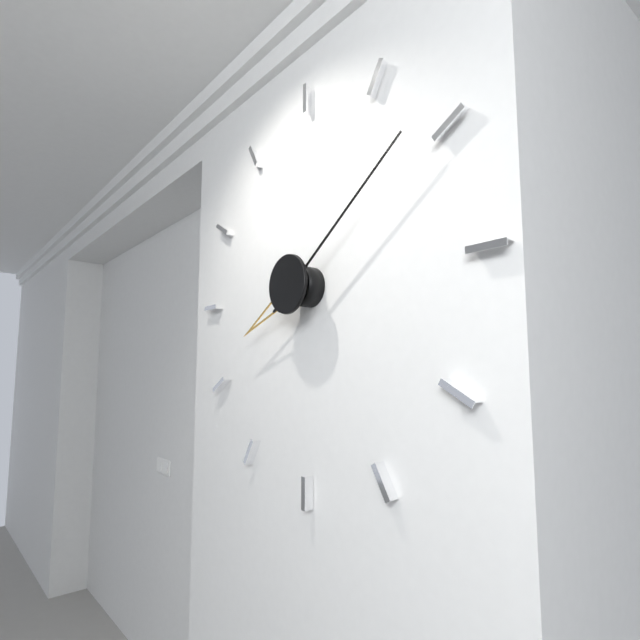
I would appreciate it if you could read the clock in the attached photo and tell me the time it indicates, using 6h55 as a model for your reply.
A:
8h09
